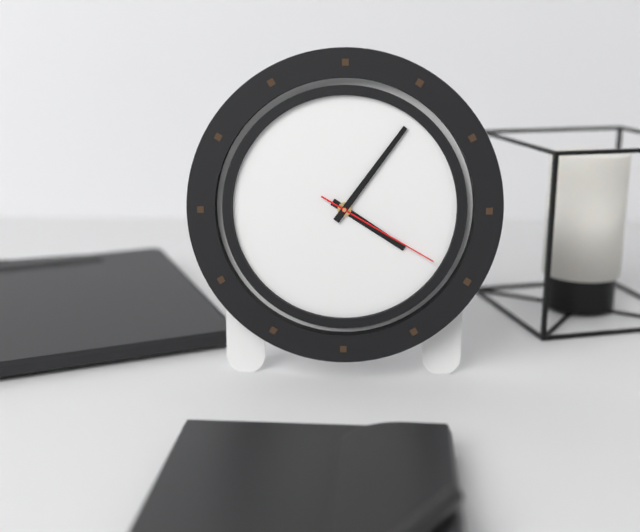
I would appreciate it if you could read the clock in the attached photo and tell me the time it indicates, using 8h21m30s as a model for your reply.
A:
4h06m20s
